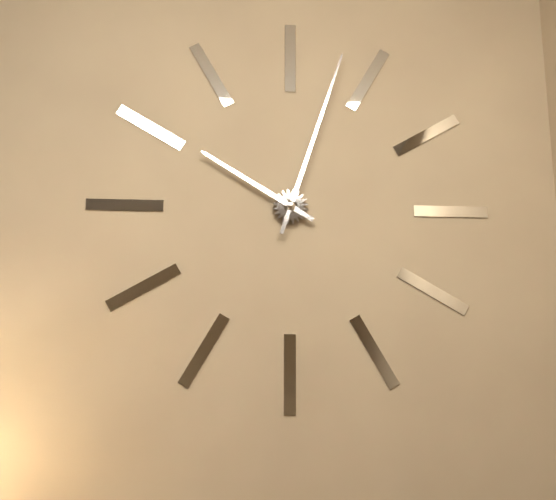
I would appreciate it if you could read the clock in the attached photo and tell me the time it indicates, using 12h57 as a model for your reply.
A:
10h03
